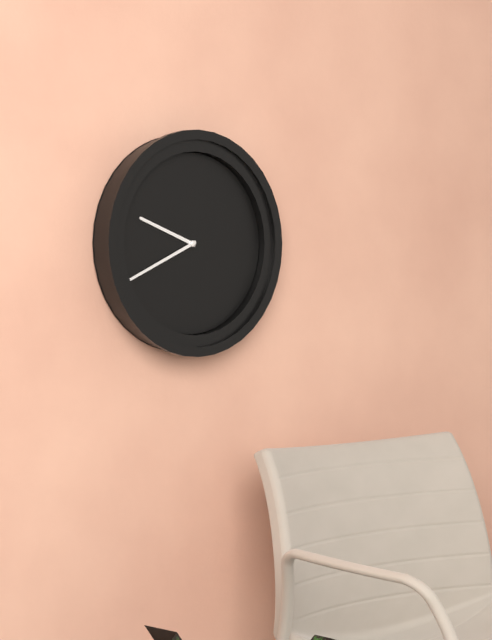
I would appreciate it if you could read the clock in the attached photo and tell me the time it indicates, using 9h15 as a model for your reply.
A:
9h41
